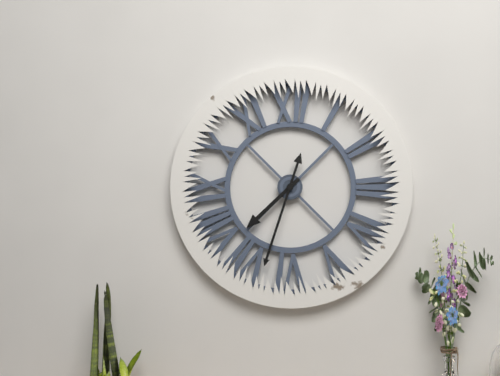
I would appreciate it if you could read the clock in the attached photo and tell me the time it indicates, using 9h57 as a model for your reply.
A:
7h33
